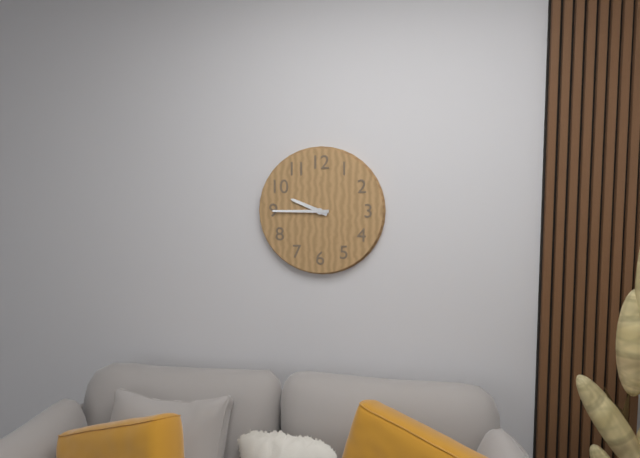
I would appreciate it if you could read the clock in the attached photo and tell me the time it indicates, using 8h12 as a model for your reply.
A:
9h45
